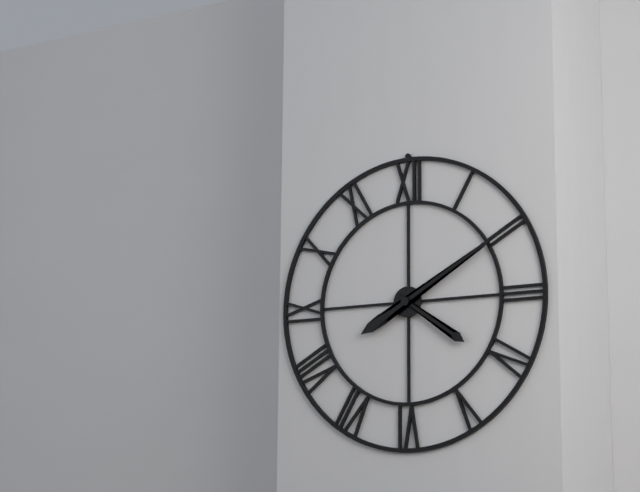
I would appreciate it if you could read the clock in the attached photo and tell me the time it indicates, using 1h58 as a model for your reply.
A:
4h10
